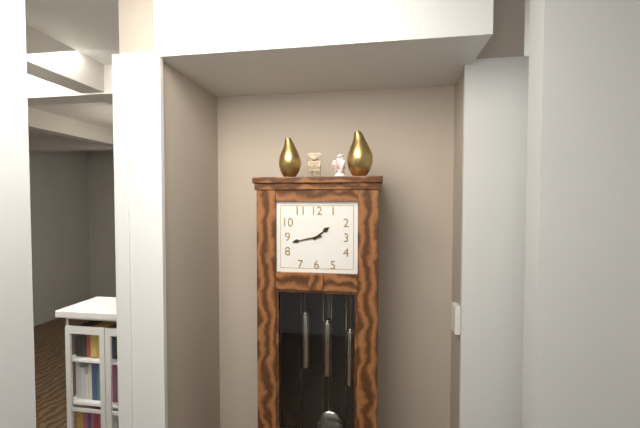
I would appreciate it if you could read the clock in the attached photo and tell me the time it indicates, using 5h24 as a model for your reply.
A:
1h43
